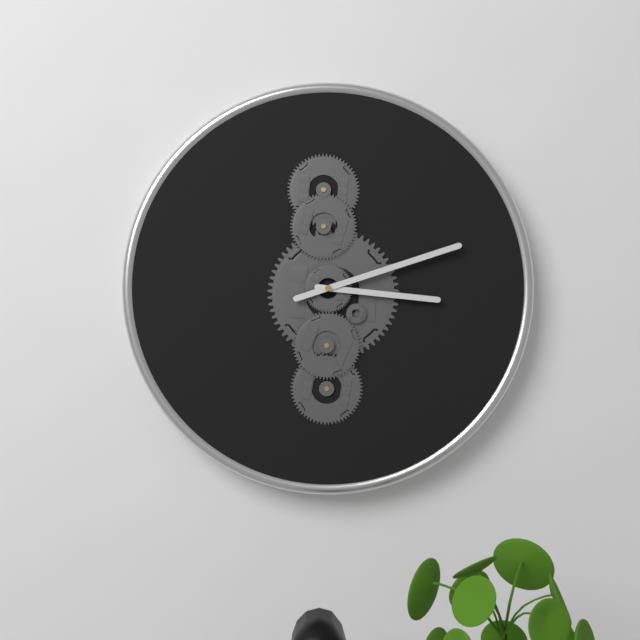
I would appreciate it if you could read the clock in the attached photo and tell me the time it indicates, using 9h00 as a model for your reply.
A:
3h12
